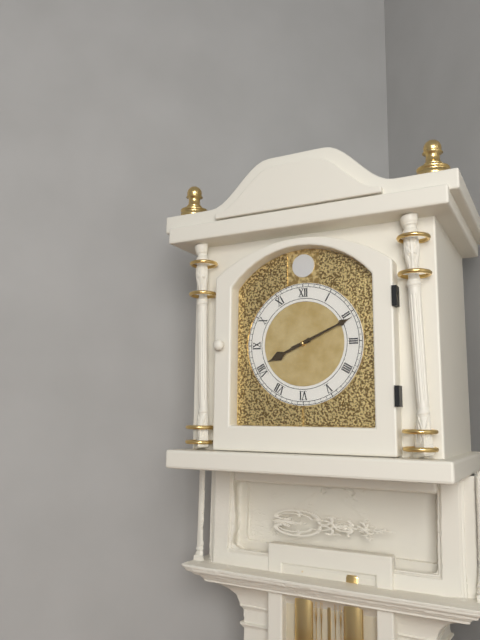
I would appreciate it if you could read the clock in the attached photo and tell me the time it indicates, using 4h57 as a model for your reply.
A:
8h11
